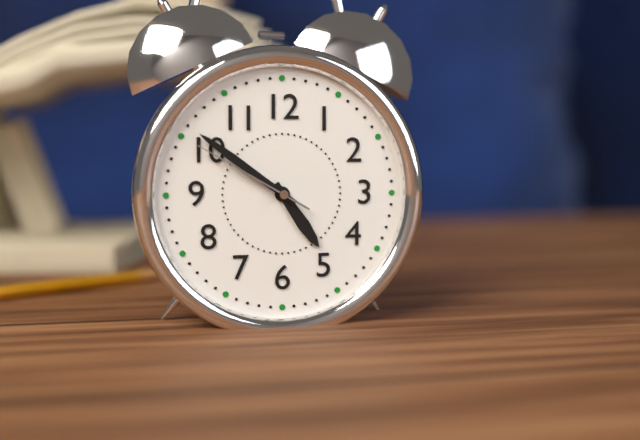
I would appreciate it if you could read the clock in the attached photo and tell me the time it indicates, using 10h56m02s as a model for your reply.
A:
4h51m50s
